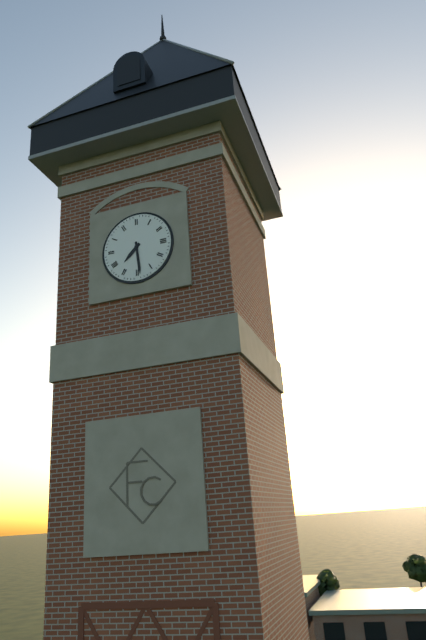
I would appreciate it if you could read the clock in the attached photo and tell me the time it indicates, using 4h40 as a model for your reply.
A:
7h29
